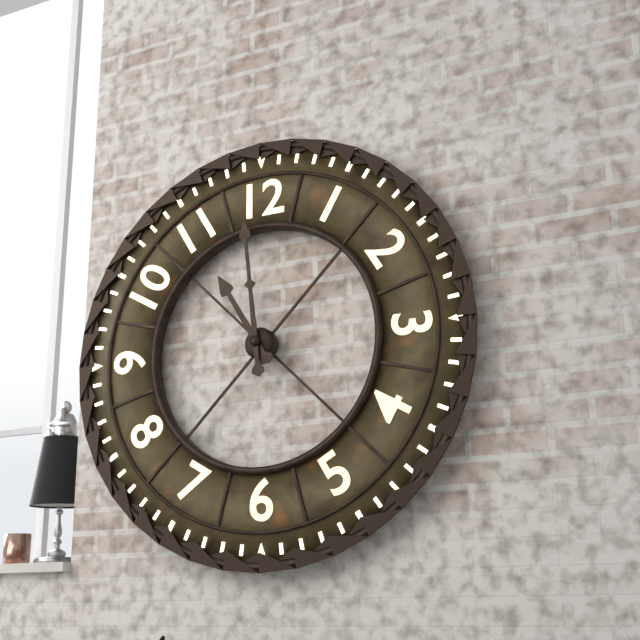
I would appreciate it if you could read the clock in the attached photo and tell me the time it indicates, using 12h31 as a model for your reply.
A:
10h59
